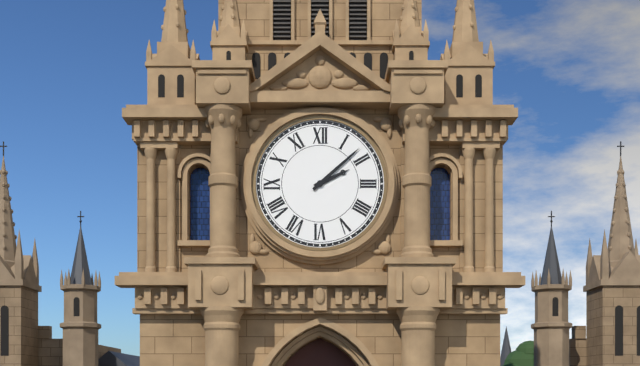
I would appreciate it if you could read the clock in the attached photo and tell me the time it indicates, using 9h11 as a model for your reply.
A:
2h08
